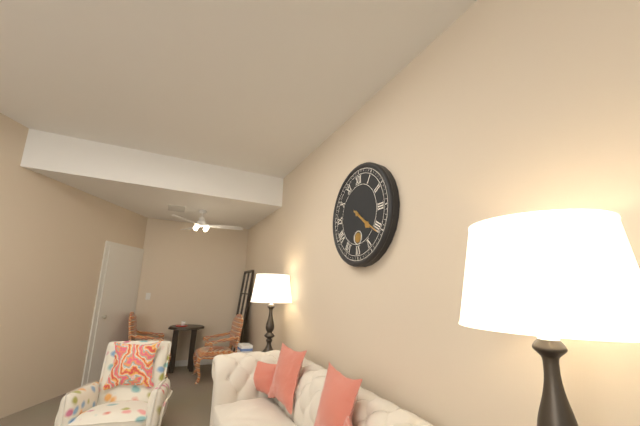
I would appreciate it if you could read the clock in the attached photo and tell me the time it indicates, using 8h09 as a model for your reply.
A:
4h21
